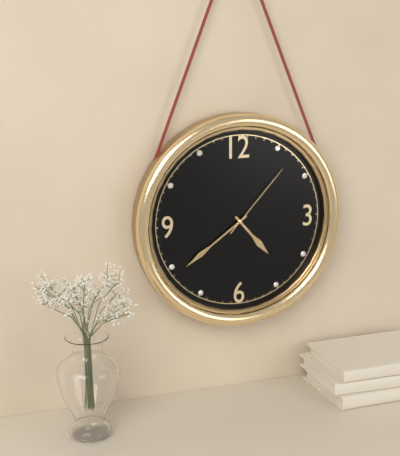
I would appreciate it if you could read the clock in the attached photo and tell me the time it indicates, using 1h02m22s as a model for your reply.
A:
4h39m07s
